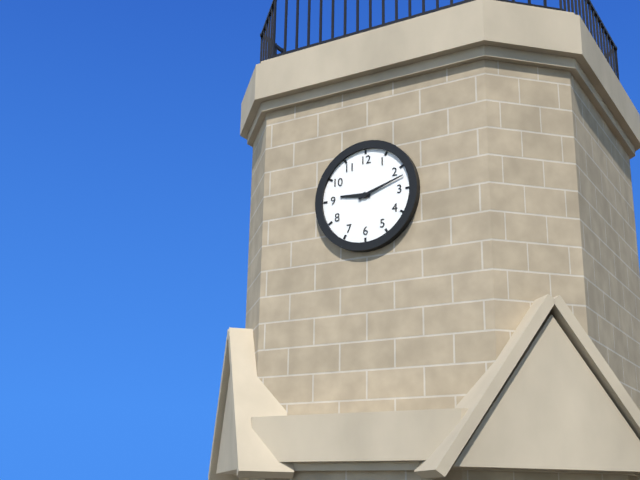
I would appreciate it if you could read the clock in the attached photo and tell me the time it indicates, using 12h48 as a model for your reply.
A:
9h12
